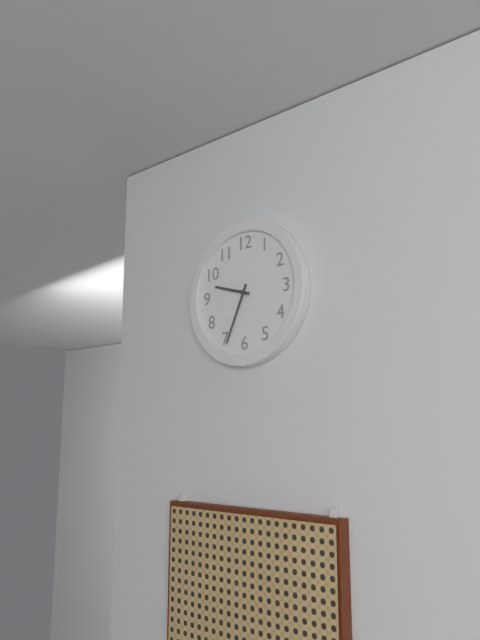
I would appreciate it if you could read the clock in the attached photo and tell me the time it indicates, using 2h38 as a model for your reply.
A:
9h34
